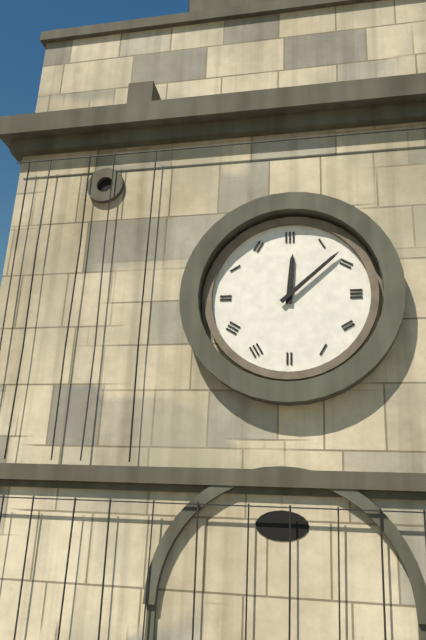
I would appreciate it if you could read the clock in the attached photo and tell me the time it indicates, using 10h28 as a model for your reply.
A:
12h08
